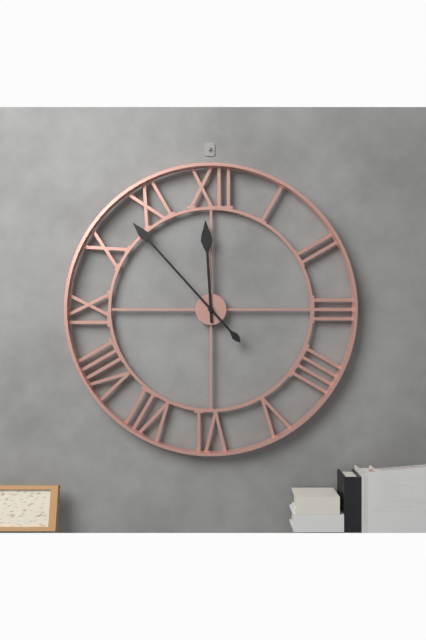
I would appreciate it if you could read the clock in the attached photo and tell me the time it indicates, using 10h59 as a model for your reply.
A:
11h53
